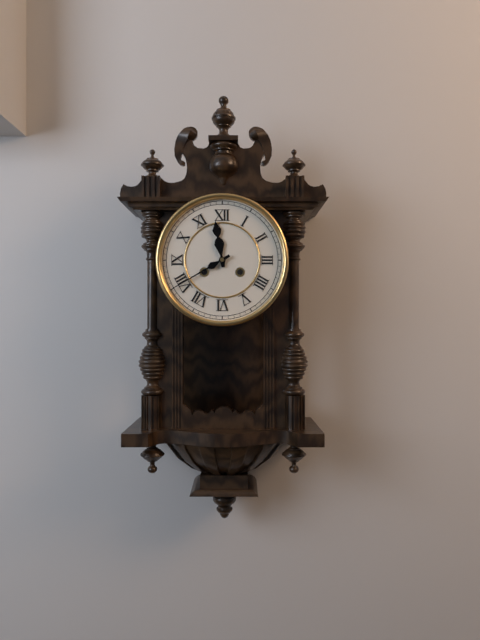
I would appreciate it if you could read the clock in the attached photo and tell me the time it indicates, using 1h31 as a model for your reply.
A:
11h40
